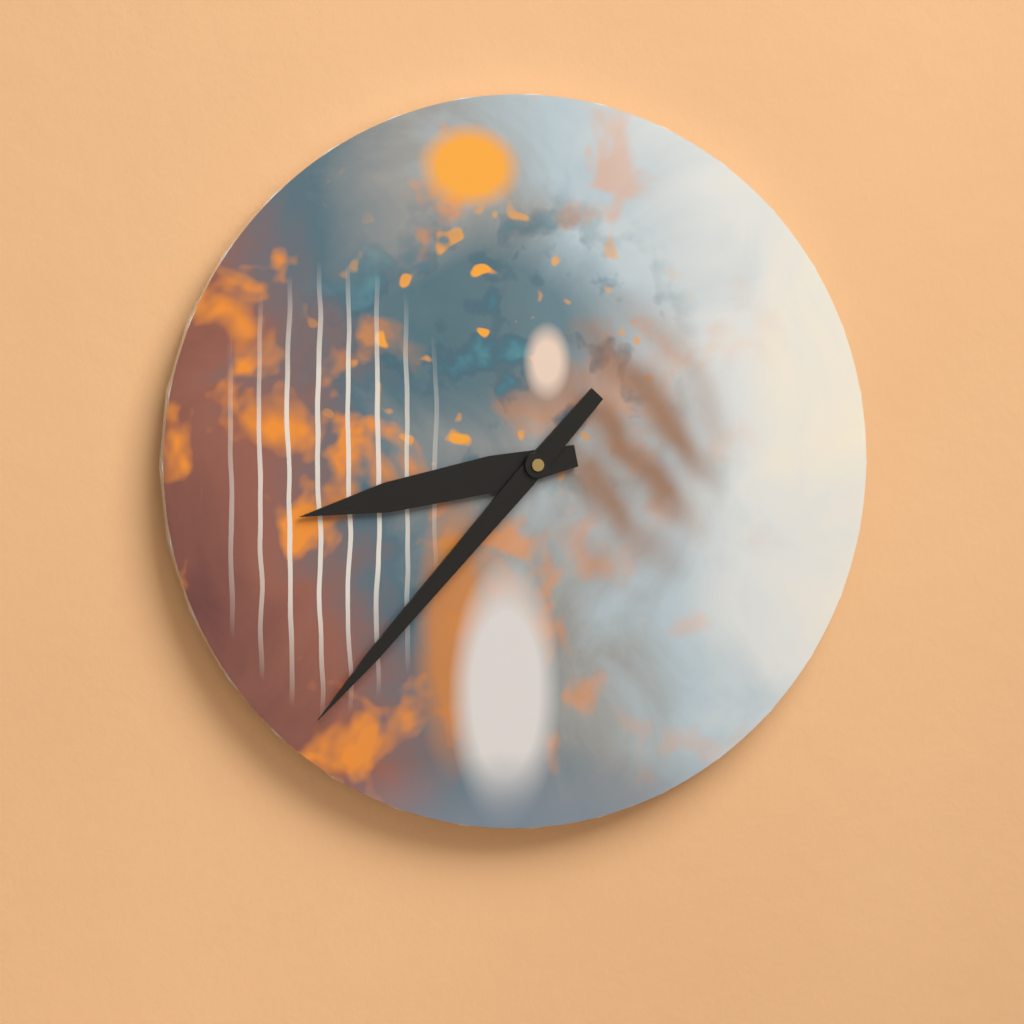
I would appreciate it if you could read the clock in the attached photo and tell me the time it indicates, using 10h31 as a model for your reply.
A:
8h37
